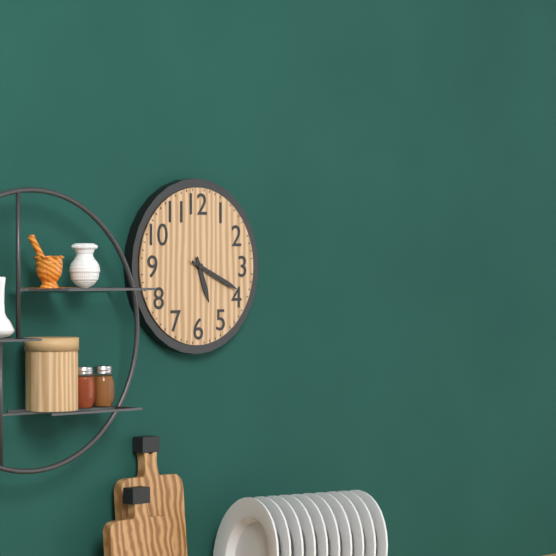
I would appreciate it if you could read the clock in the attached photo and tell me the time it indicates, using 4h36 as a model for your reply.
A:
5h19
